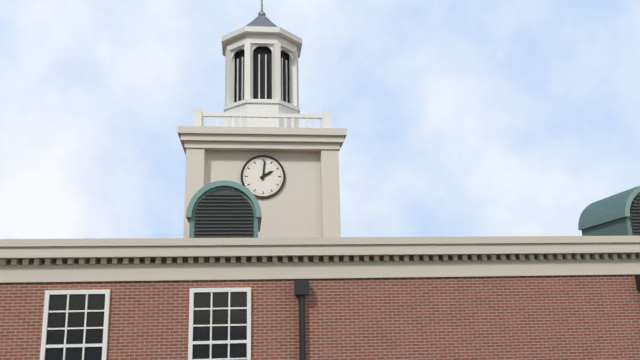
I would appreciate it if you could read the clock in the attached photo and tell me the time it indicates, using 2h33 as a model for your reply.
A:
2h01
